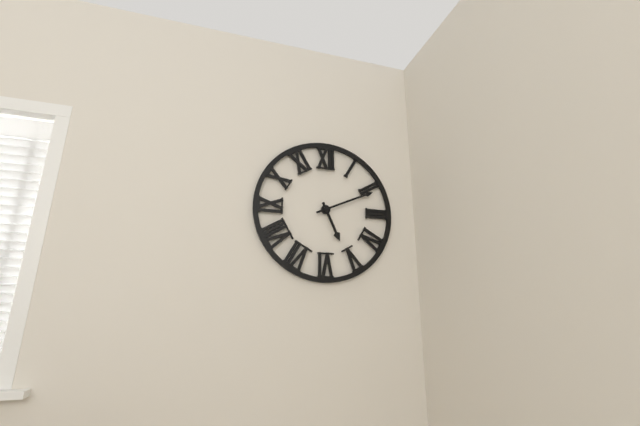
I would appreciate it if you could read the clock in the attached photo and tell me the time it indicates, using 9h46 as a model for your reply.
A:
5h11
